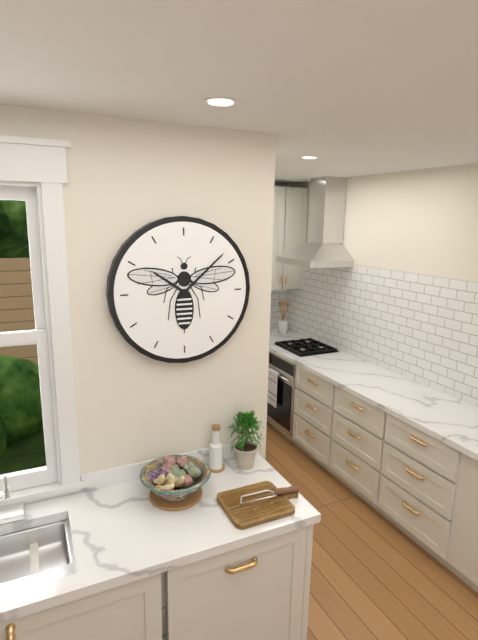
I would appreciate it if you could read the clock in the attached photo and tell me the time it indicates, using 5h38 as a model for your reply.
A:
10h08
